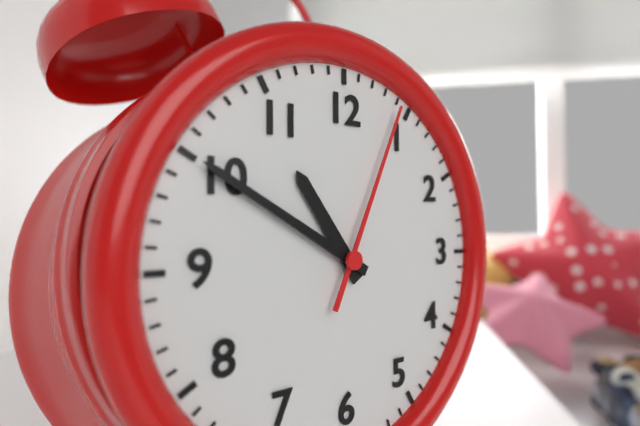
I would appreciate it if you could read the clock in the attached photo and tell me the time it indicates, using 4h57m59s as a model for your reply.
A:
10h50m04s
